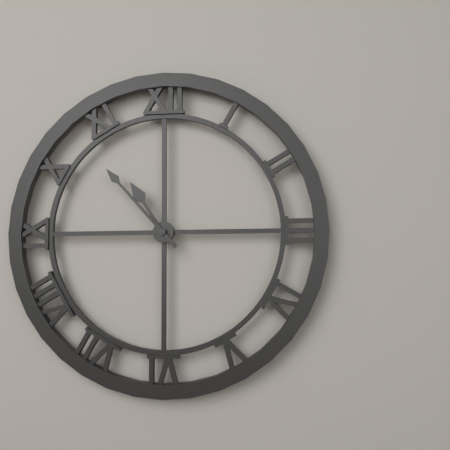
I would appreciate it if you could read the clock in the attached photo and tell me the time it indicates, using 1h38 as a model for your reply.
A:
10h53
